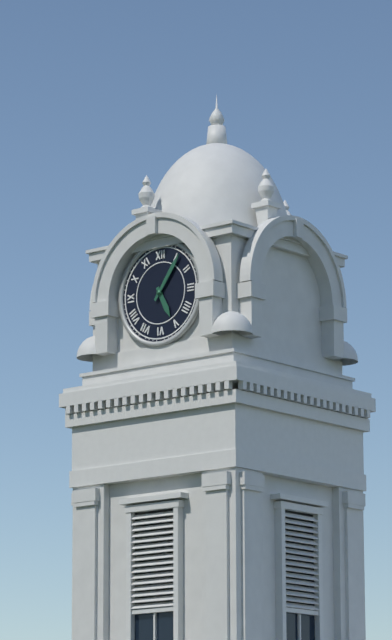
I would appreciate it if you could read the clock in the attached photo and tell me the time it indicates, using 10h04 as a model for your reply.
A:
5h06
